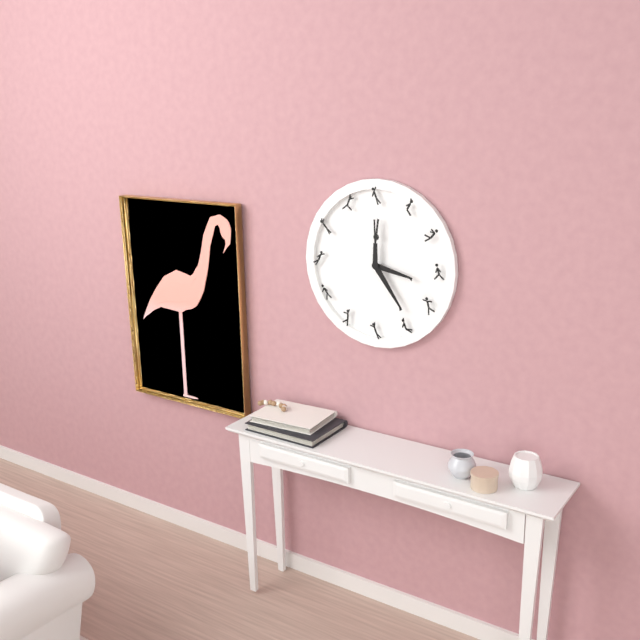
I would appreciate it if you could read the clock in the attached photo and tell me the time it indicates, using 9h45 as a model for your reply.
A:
3h24
